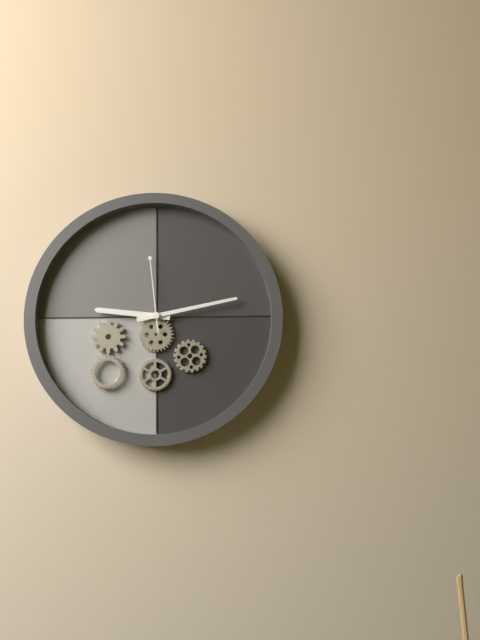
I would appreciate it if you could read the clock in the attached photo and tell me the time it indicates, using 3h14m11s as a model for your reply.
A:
9h13m59s
